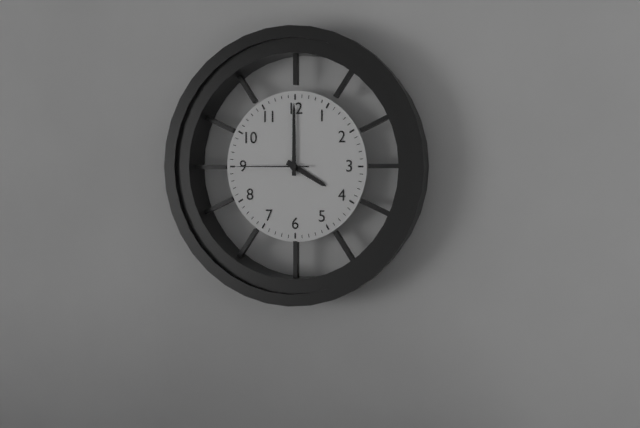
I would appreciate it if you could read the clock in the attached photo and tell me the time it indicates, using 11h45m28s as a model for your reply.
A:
4h00m45s
